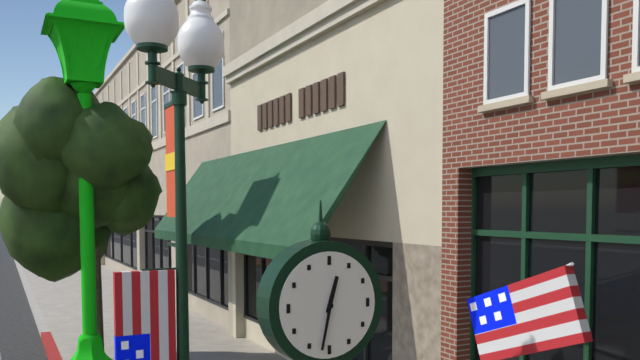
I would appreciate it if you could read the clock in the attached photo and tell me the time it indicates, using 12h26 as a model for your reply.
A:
12h32
